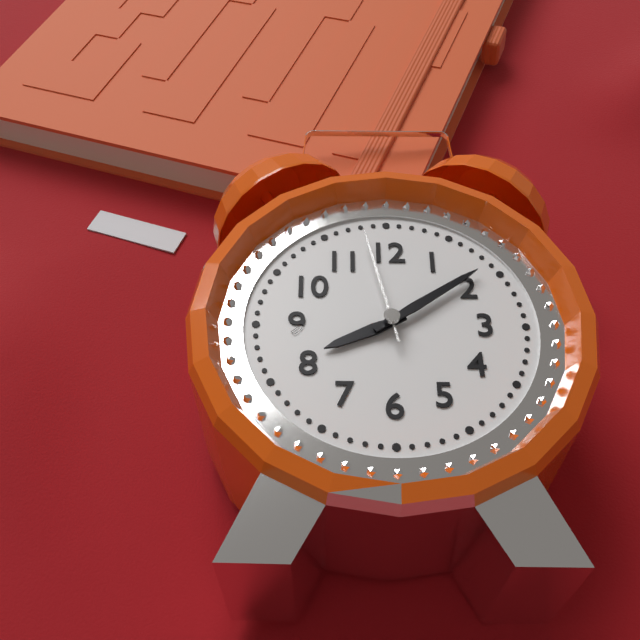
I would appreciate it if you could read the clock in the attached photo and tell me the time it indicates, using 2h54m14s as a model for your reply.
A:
8h09m58s
